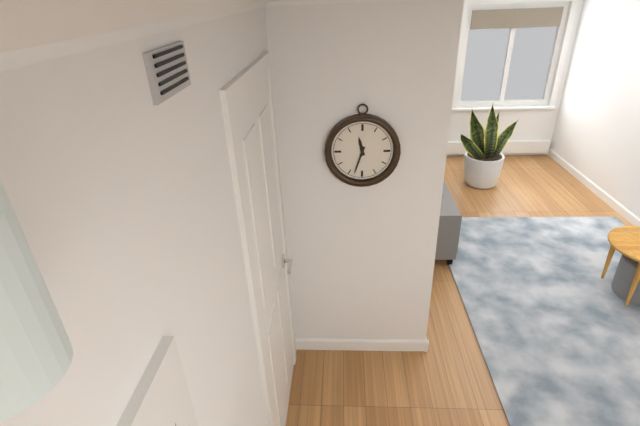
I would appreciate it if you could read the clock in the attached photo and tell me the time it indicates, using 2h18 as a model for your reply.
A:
11h33
